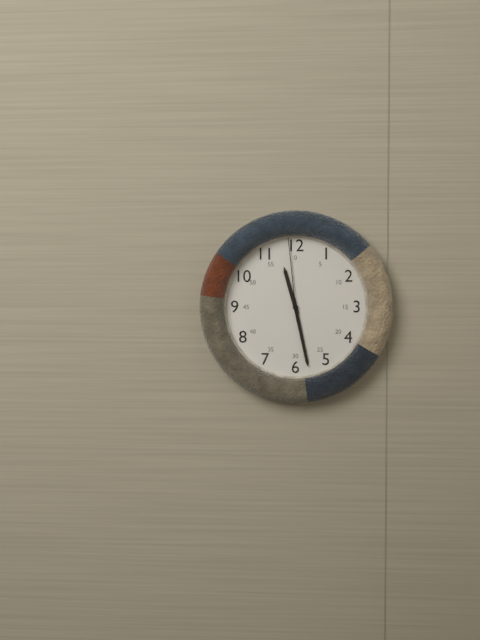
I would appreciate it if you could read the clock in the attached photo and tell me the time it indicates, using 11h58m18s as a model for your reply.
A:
11h28m59s
